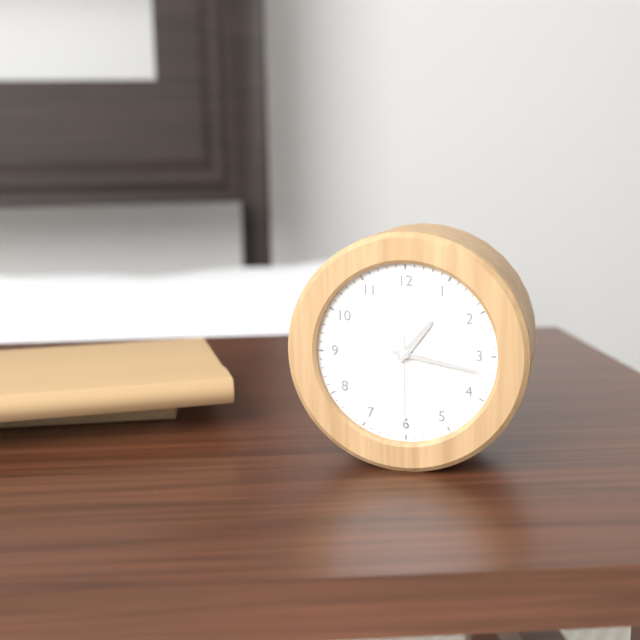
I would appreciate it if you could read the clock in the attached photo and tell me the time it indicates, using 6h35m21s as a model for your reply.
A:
1h17m30s
